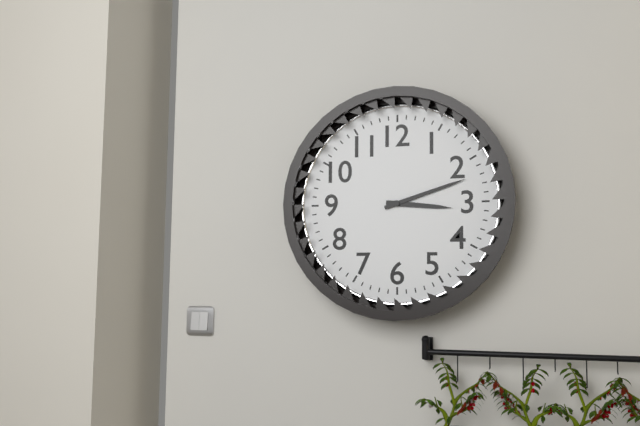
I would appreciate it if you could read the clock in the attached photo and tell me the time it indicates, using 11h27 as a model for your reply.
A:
3h12
